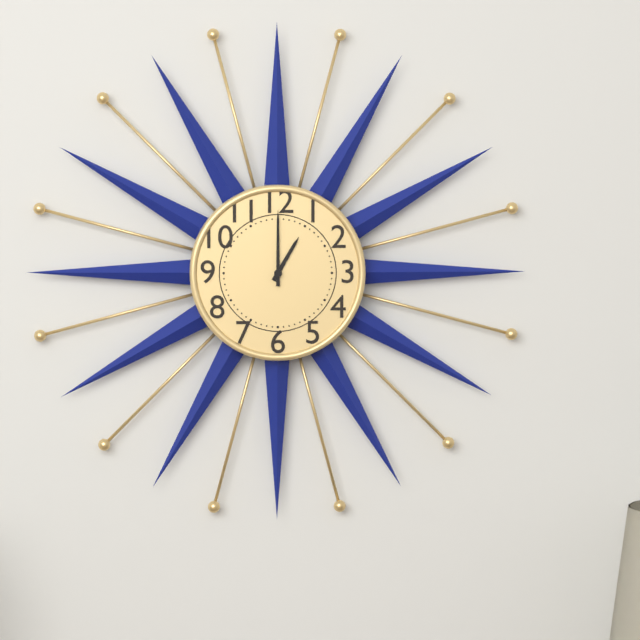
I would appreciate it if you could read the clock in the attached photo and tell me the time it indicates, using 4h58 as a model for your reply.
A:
1h00
